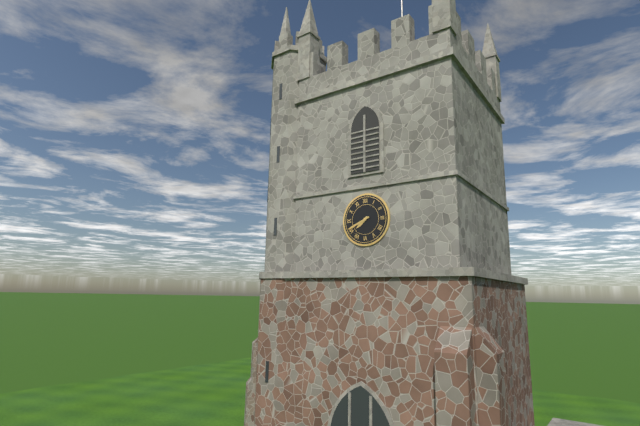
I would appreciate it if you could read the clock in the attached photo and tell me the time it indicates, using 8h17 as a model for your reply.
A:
7h41
